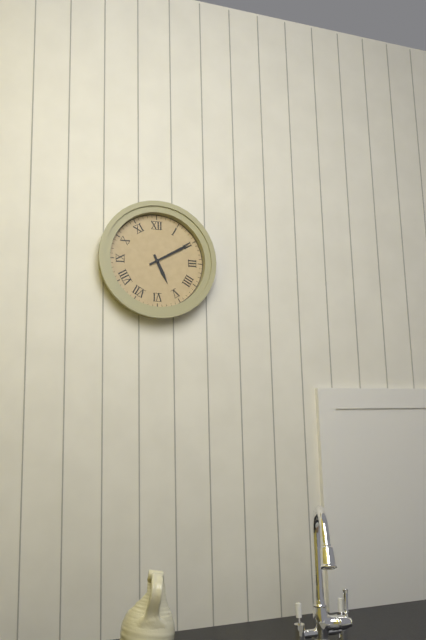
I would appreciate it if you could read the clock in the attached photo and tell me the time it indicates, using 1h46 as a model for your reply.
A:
5h10
